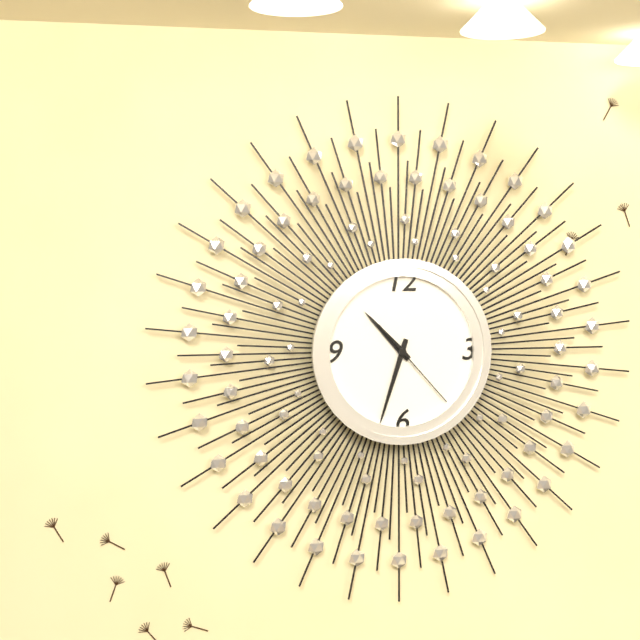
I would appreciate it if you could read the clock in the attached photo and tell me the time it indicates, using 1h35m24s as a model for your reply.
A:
10h33m23s
